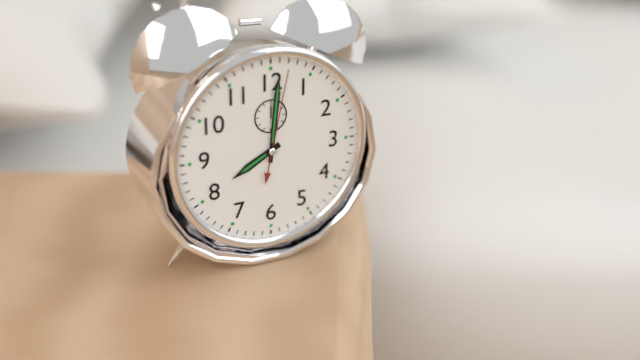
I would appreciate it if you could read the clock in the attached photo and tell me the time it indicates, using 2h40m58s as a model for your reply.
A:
8h01m02s
